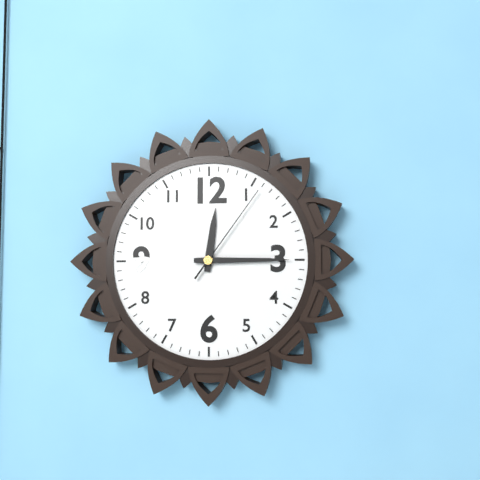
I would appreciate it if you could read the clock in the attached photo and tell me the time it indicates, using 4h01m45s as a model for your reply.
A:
12h15m06s
